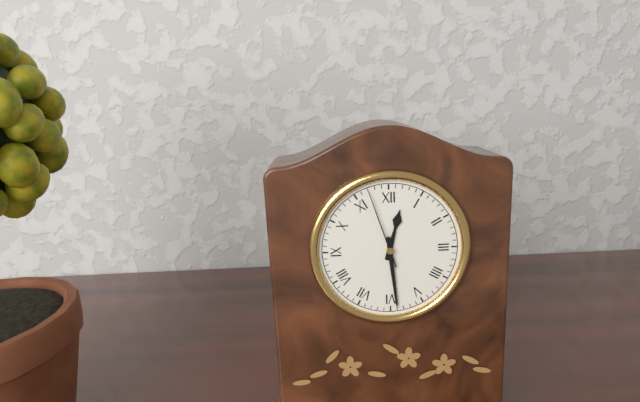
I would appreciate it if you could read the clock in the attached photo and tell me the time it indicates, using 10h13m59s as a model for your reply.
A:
12h29m57s
